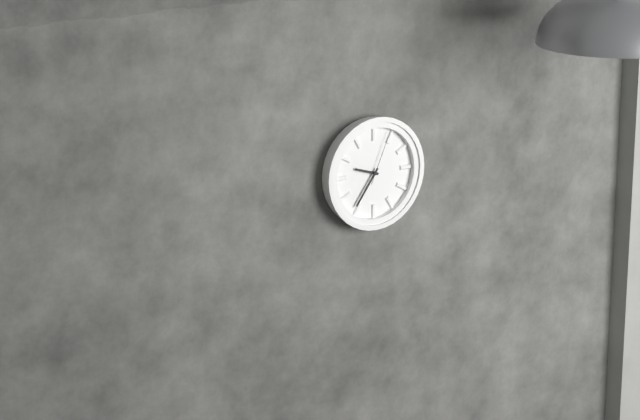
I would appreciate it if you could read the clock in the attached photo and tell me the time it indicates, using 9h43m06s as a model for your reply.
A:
9h36m04s
